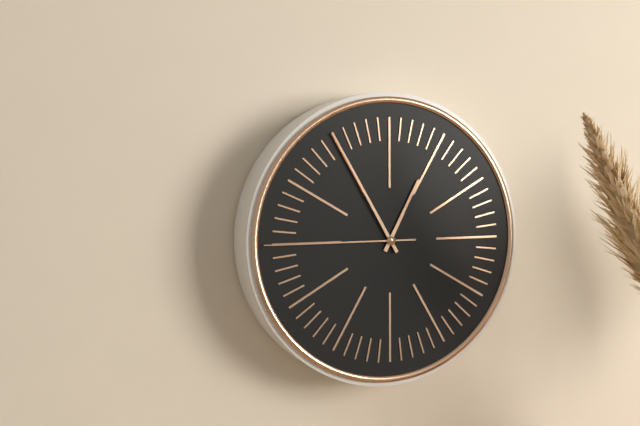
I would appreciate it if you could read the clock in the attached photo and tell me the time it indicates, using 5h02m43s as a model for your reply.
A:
12h55m45s
